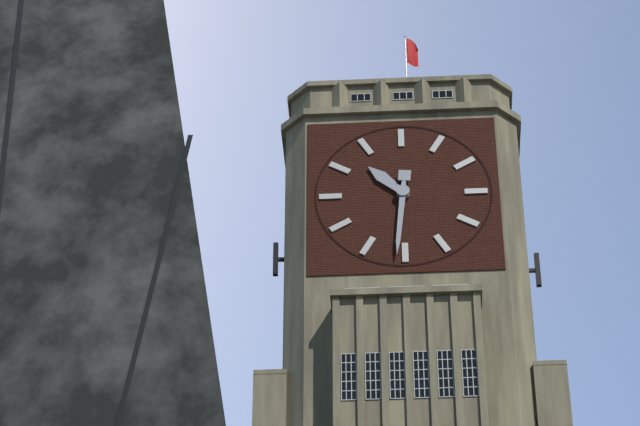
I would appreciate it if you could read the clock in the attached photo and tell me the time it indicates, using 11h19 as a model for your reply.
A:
10h31
